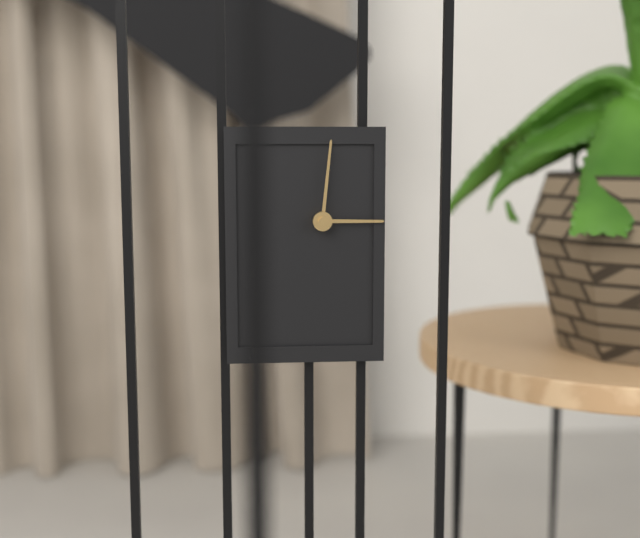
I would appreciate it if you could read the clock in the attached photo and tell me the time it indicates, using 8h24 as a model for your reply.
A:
3h01
